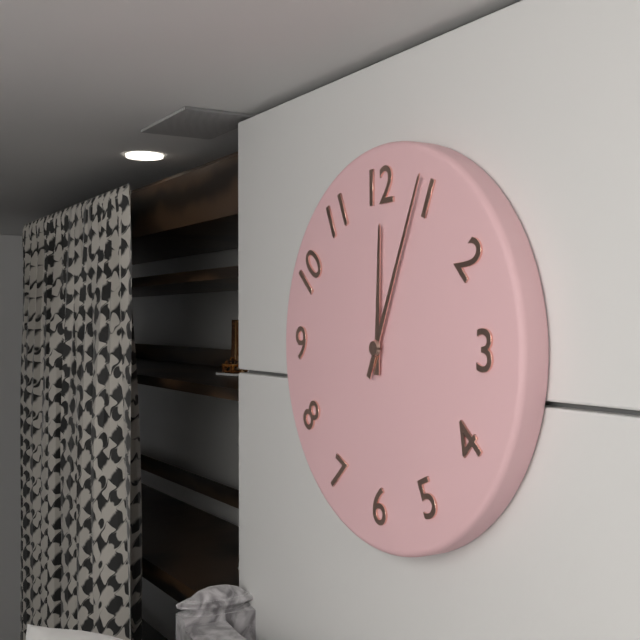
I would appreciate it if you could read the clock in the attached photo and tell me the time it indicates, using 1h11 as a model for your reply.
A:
12h04
